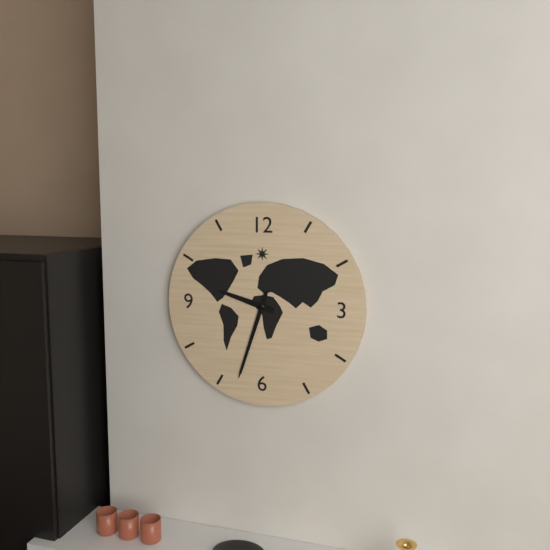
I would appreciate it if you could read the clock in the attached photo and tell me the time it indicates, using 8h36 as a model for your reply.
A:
9h33
